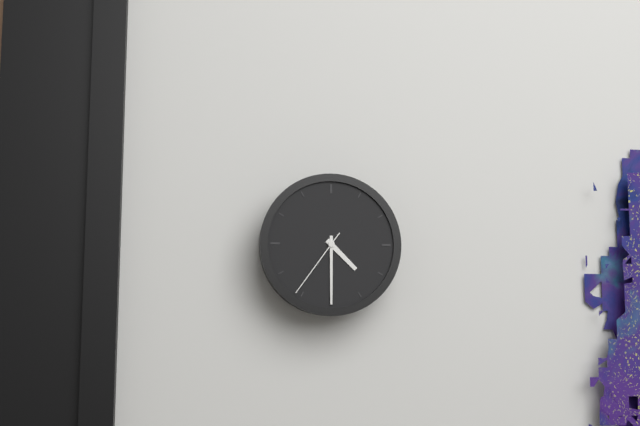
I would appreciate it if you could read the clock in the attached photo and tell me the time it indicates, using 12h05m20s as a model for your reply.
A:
4h30m36s
